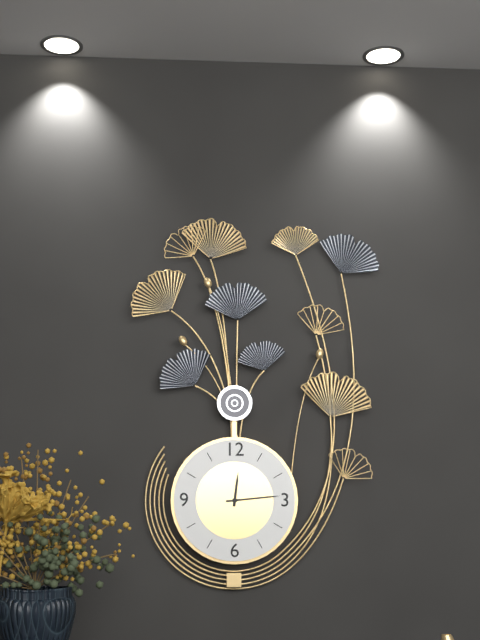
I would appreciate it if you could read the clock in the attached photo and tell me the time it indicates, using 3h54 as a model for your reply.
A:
12h14
